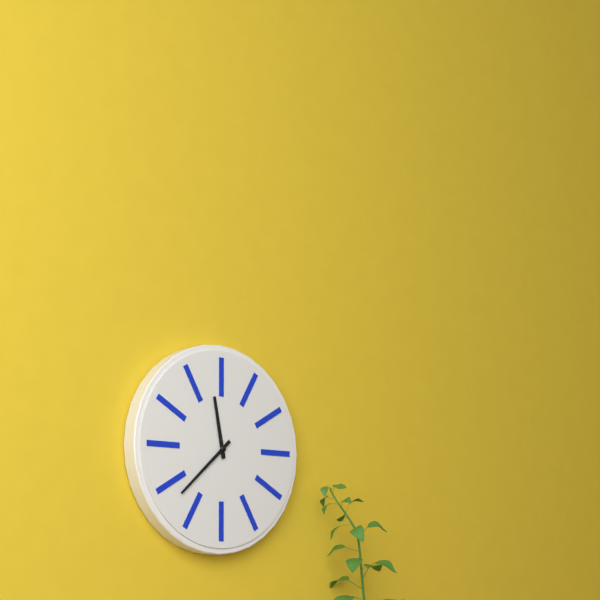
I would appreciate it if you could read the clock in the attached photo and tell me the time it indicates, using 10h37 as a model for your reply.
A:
11h38
